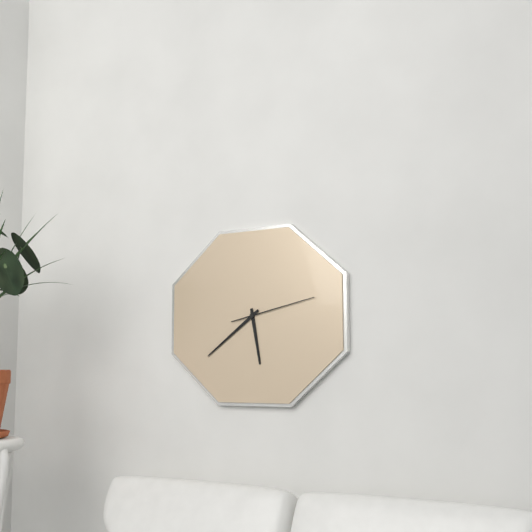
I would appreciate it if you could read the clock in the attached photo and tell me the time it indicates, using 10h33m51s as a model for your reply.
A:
5h39m13s
